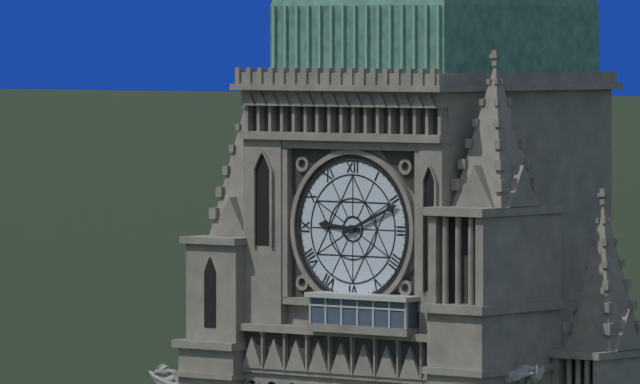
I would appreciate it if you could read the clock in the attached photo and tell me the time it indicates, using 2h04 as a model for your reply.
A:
9h11
